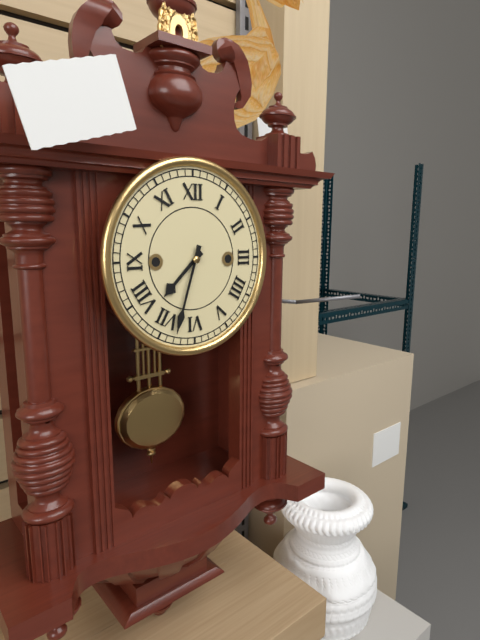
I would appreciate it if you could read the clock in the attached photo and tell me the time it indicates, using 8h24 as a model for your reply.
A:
7h33
